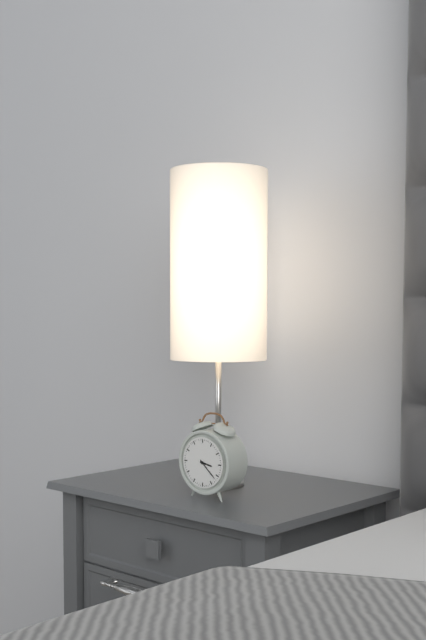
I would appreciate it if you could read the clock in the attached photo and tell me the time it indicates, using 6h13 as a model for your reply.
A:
3h22
